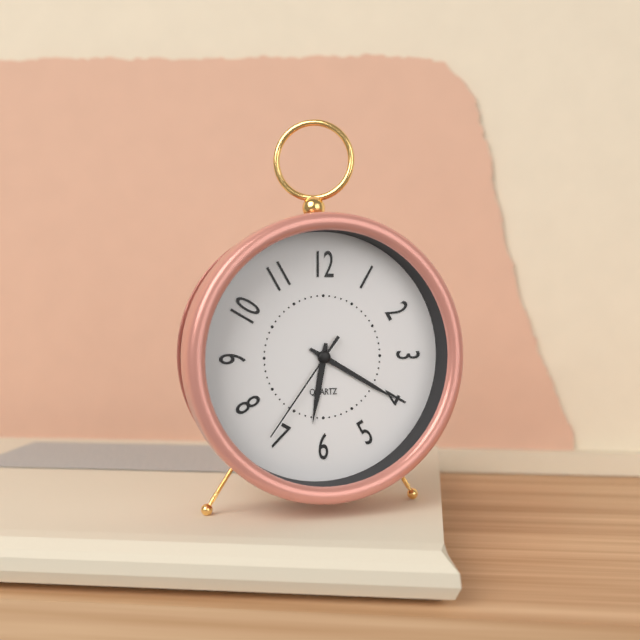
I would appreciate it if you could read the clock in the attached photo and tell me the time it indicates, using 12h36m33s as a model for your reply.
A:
6h20m36s
